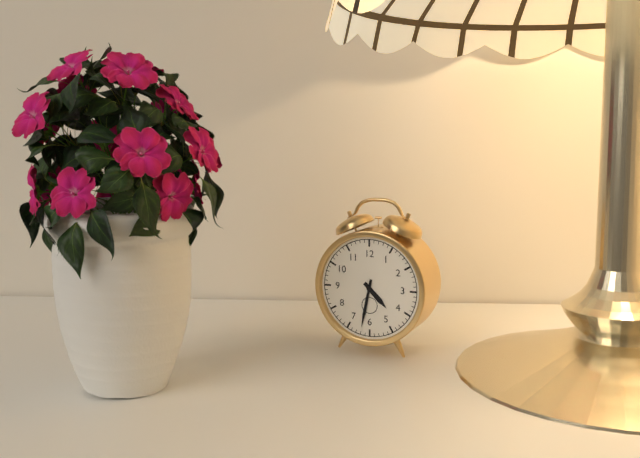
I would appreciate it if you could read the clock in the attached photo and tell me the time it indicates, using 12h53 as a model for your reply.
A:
4h32
